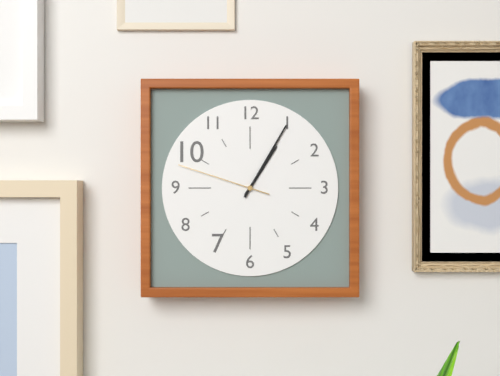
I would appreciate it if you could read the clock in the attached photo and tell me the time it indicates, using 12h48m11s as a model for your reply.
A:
1h05m48s
